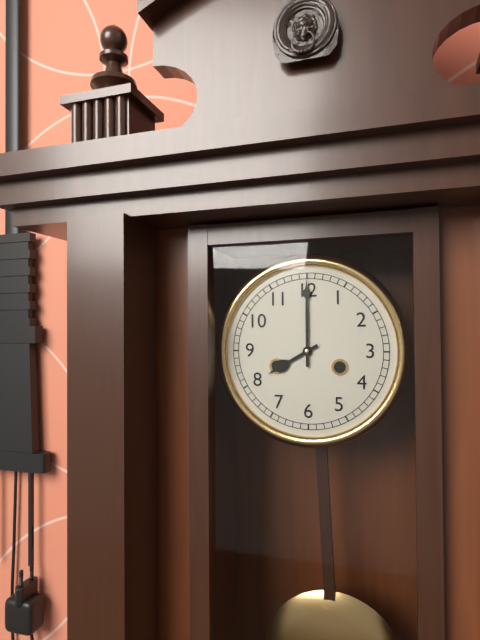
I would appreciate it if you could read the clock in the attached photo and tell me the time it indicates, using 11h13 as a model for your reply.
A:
8h00
